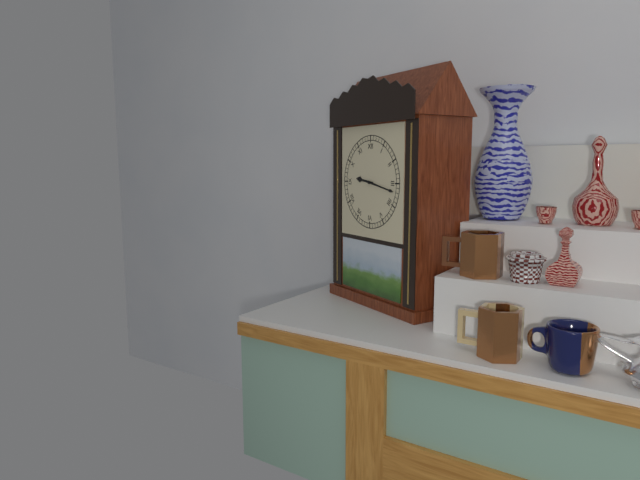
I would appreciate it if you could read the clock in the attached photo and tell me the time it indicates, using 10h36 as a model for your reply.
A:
9h17
